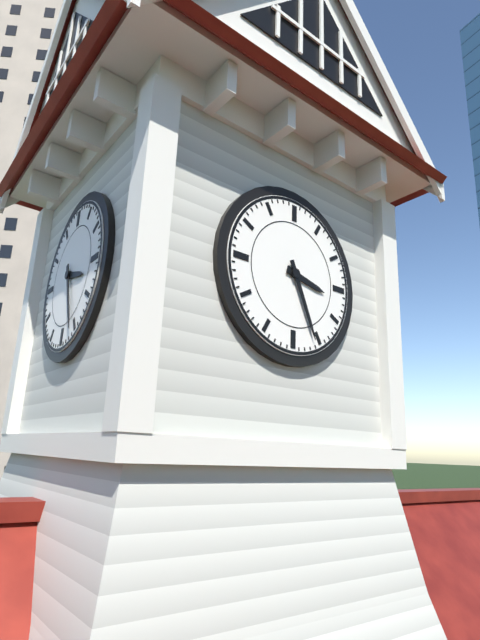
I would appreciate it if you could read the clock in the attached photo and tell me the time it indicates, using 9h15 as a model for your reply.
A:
3h26
